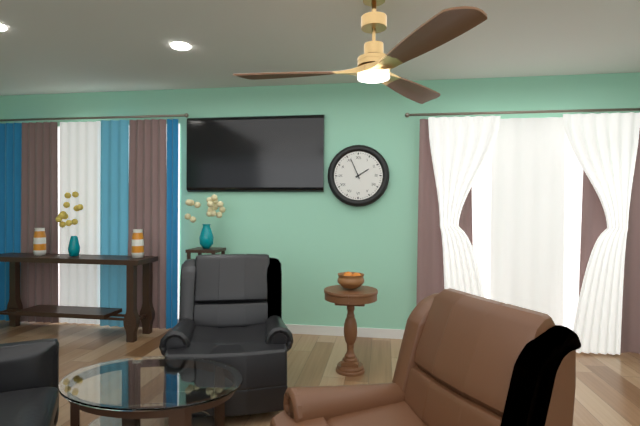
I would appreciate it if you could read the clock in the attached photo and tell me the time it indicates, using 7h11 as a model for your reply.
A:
1h56
